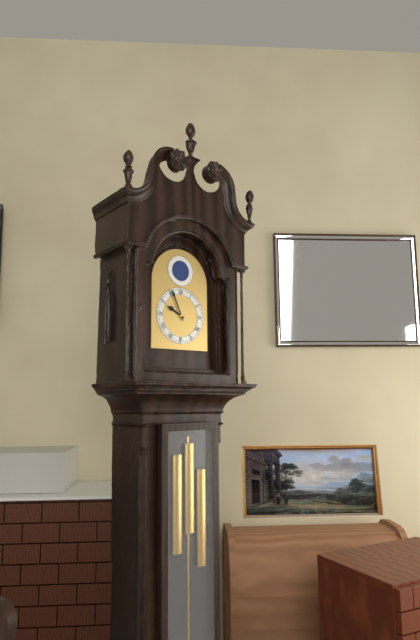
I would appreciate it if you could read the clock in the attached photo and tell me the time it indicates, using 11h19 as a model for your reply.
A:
9h56
